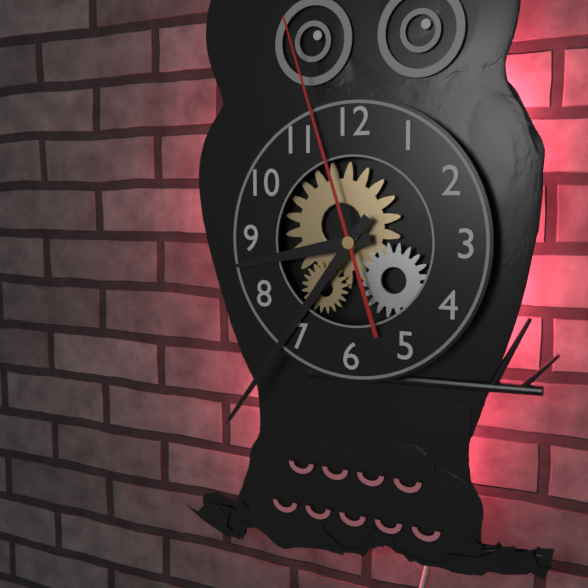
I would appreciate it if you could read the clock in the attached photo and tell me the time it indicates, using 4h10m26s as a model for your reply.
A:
8h36m57s
